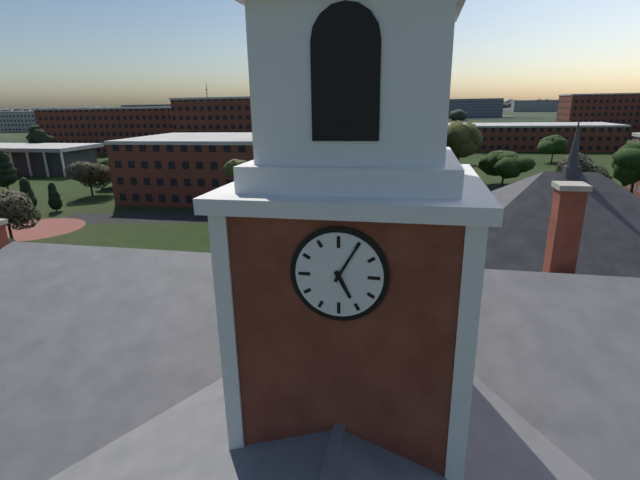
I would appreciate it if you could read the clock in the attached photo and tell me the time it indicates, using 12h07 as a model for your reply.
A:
5h05
